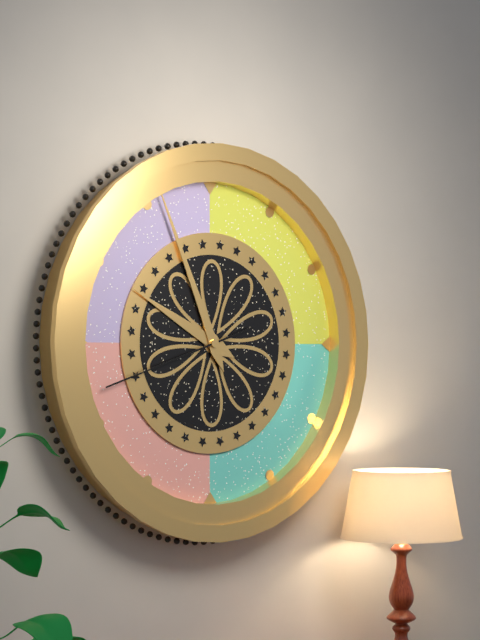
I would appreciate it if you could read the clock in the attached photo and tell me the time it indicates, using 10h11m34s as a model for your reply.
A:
9h56m42s
